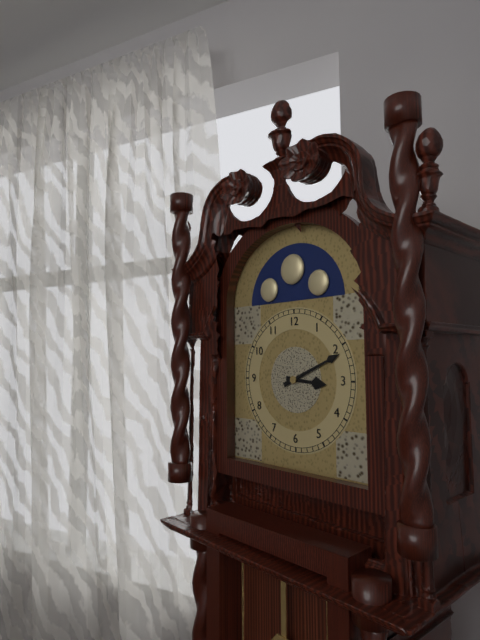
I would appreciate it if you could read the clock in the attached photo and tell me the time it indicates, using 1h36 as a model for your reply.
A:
3h11
